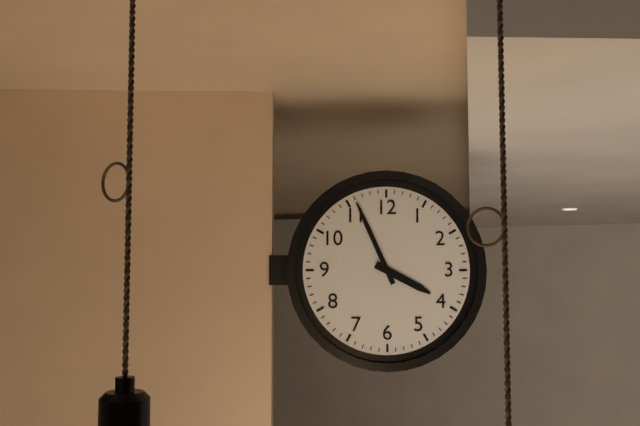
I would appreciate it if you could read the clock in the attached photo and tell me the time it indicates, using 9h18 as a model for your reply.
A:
3h56
